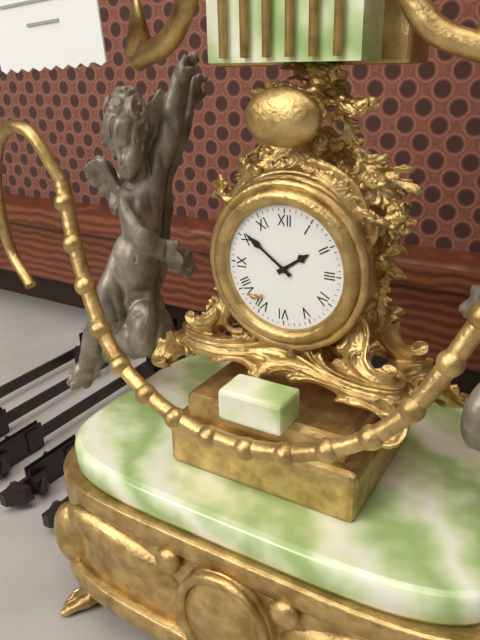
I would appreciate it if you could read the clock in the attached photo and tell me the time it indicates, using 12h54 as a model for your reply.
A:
1h51
